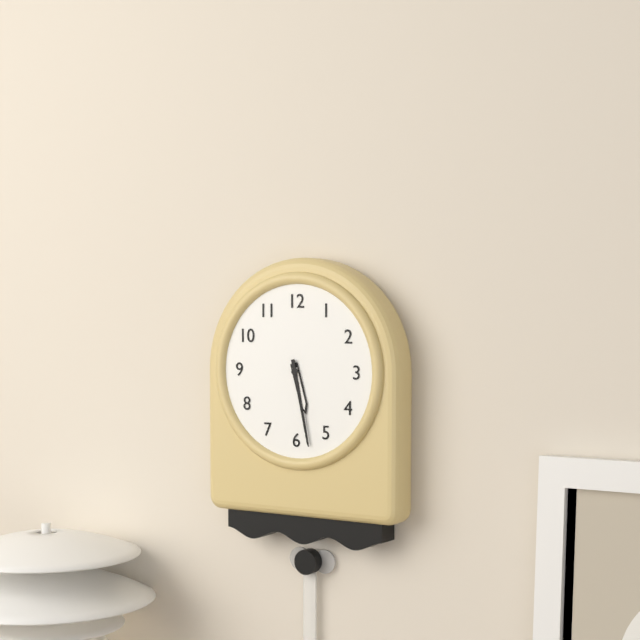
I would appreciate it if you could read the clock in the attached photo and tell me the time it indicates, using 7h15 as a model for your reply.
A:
5h28
